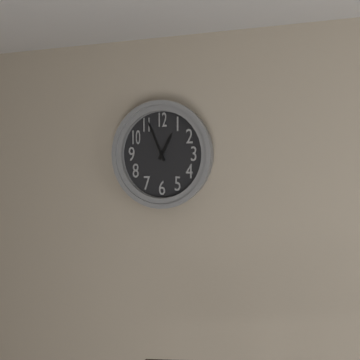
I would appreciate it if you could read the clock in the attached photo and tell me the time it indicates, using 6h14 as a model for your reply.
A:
12h56
